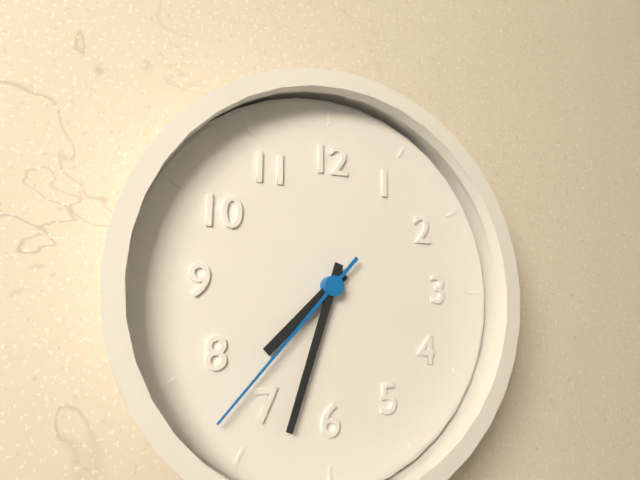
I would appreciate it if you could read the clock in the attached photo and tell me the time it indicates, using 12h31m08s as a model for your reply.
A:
7h33m37s
